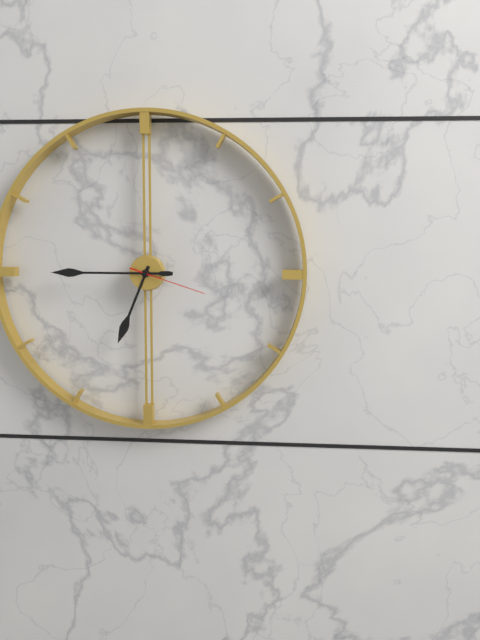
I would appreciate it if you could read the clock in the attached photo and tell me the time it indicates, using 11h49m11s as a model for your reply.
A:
6h45m18s
